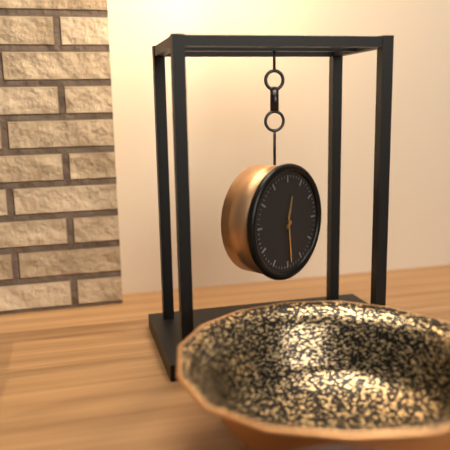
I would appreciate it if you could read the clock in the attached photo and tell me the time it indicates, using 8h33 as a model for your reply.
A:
12h29
